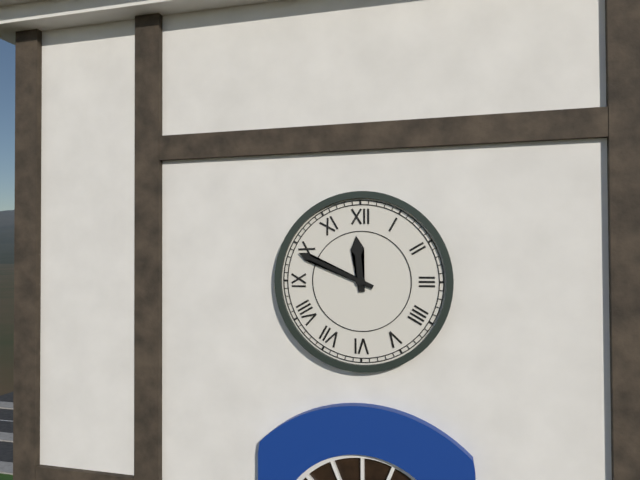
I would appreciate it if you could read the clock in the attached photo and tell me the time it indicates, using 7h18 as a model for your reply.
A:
11h49
